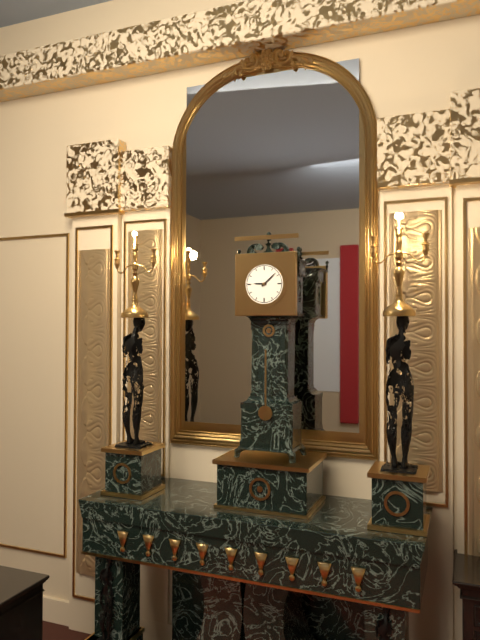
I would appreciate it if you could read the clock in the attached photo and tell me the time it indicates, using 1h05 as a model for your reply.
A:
9h08
